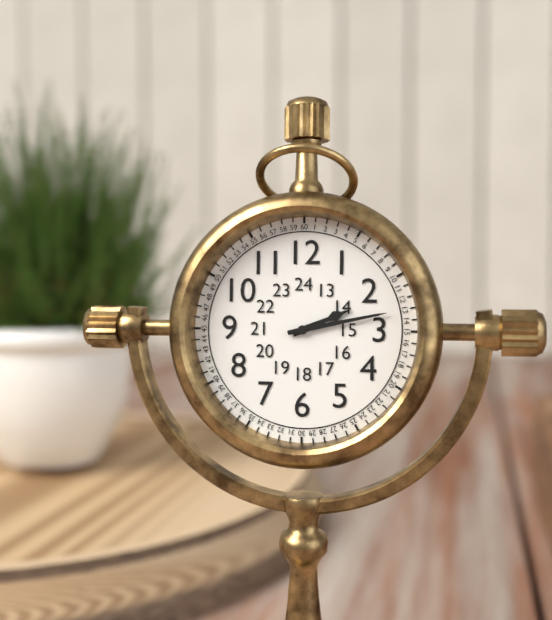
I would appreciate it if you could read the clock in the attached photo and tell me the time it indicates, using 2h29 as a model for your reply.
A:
2h13
